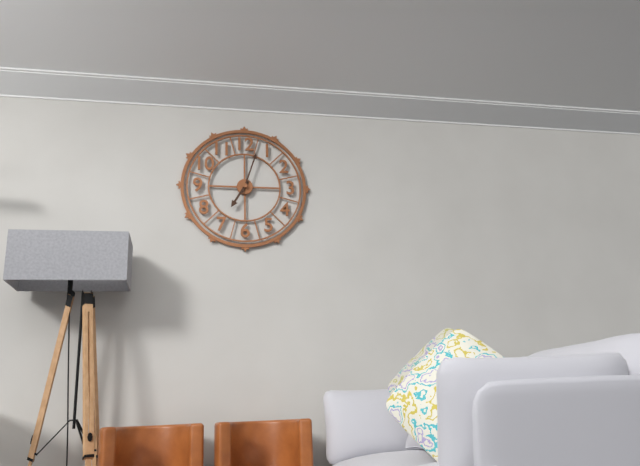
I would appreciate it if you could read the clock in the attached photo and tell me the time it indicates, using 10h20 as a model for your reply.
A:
7h03
